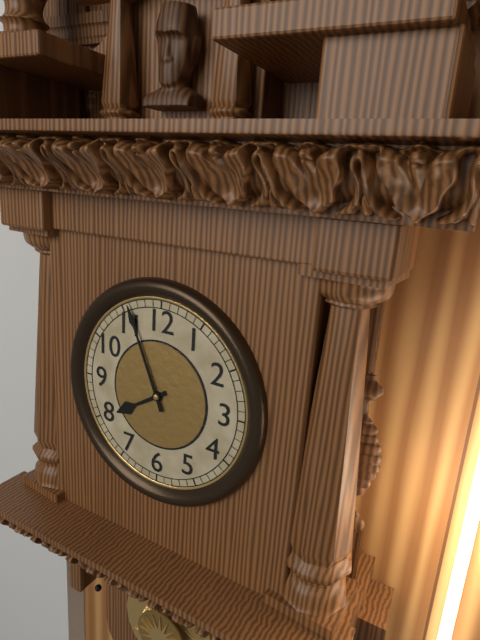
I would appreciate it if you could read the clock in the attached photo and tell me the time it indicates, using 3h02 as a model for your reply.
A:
7h56
